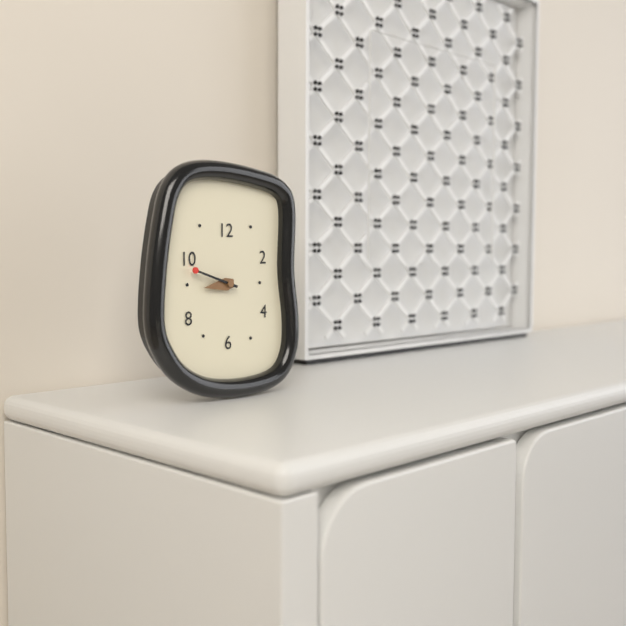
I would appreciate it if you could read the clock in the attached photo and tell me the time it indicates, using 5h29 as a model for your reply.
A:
8h48
